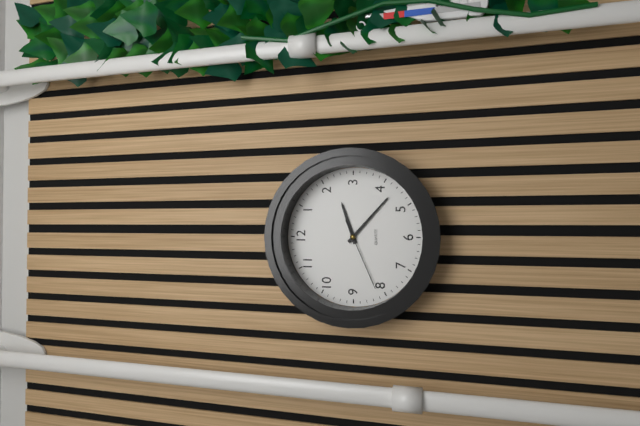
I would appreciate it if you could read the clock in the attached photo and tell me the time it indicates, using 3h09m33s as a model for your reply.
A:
2h22m41s
